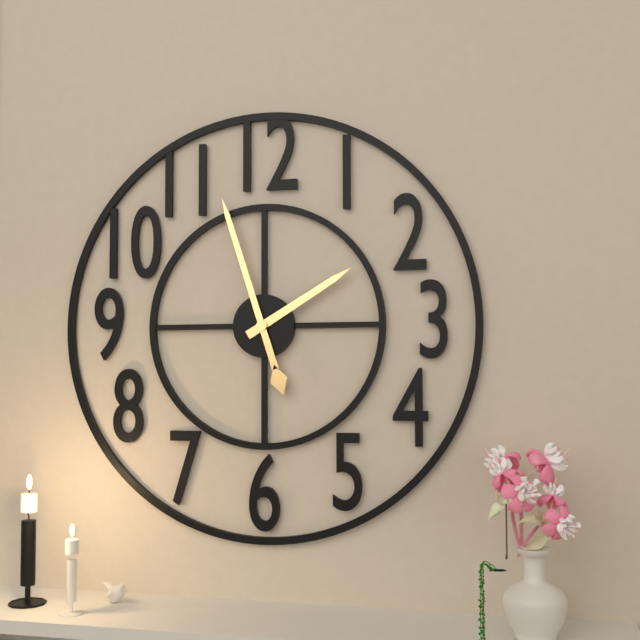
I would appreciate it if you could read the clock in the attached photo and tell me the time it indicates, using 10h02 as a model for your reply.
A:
1h57
